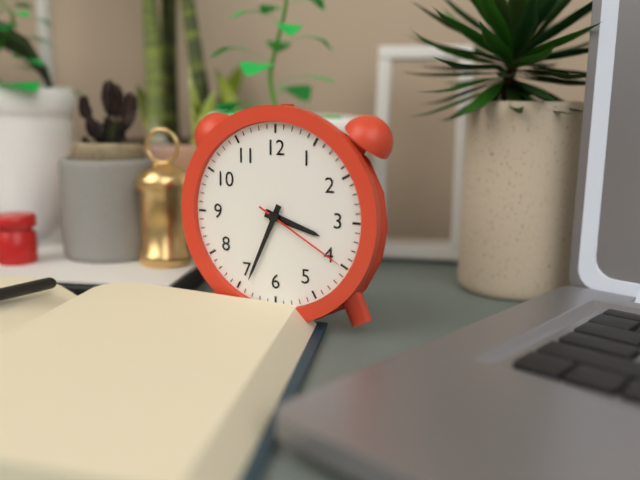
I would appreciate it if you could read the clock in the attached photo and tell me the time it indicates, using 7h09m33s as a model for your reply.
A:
3h34m20s
